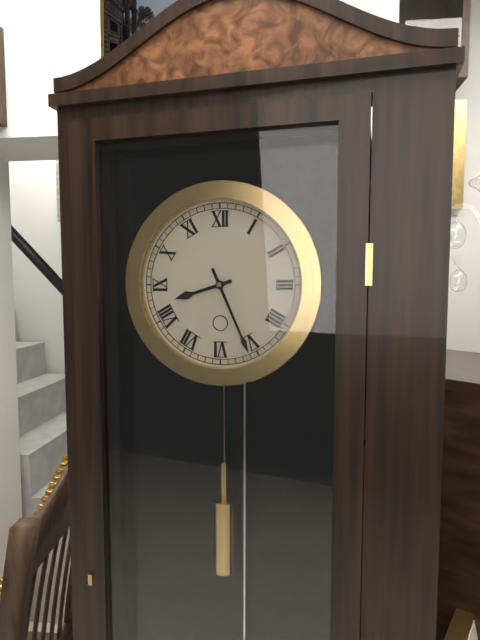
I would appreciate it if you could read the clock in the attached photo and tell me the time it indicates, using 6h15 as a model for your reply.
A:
8h26
